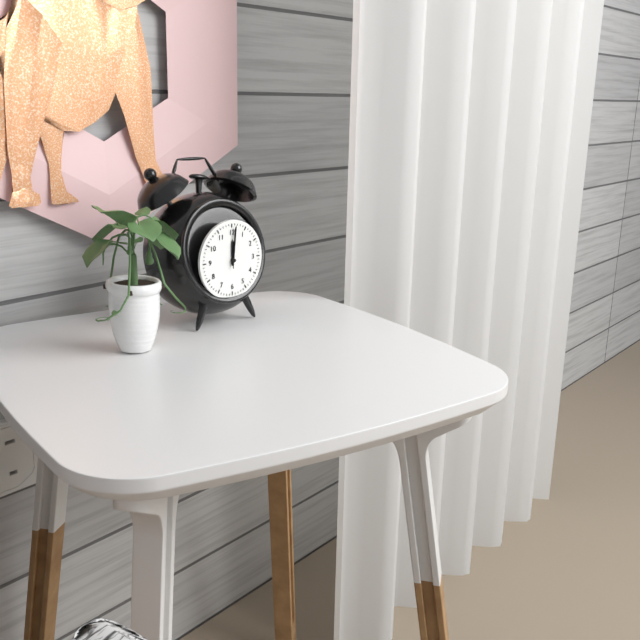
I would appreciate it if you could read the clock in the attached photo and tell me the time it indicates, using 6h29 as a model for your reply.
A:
12h01
